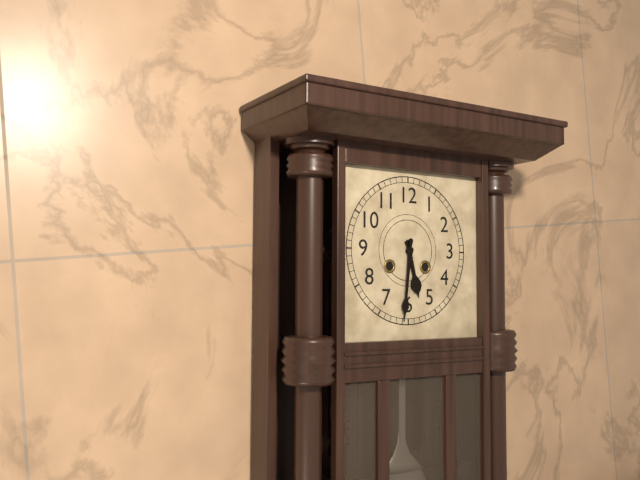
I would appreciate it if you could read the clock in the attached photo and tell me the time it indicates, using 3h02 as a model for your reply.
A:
5h31
